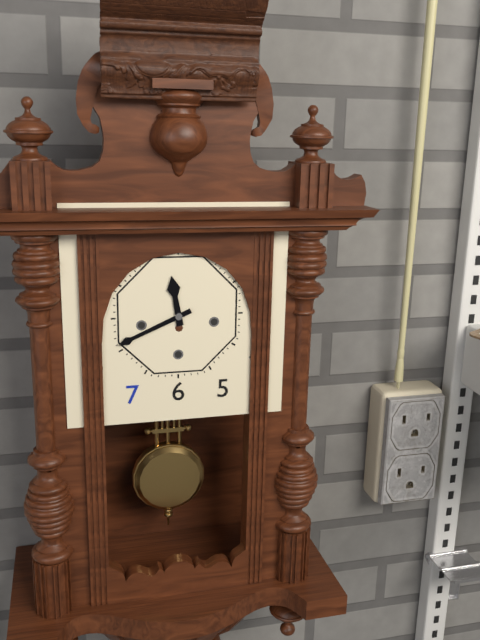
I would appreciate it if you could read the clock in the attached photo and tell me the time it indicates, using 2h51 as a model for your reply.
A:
11h41
